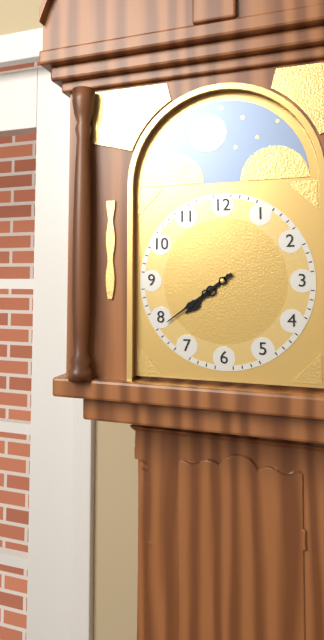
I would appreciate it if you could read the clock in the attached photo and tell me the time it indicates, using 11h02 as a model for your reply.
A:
7h39
